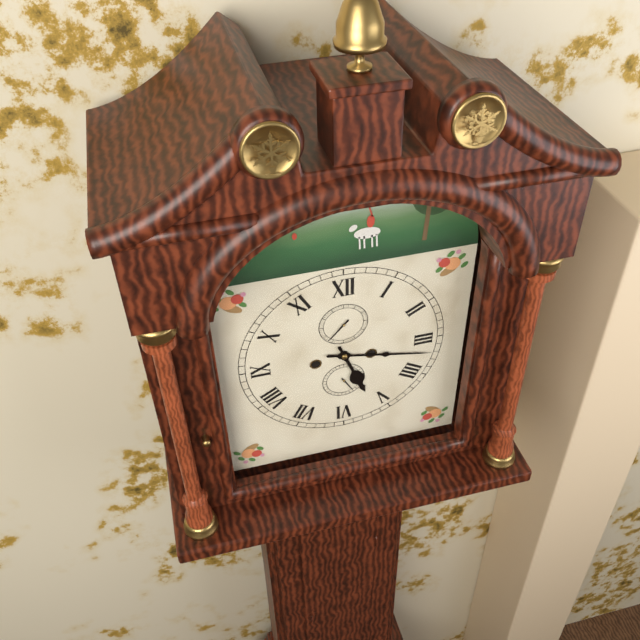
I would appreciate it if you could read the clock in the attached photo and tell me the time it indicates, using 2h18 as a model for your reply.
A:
5h17
